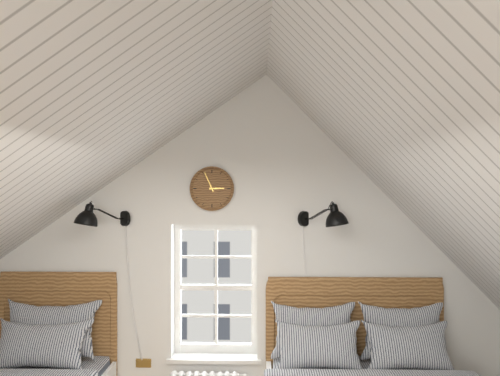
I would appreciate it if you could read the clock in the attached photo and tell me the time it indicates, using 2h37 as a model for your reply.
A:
2h56
